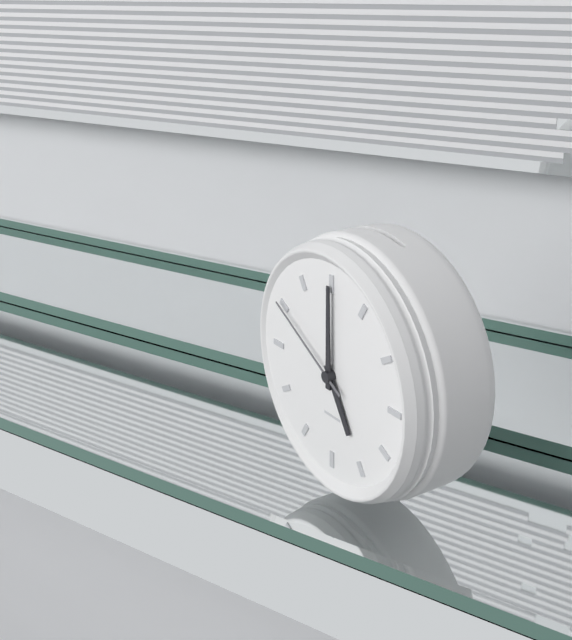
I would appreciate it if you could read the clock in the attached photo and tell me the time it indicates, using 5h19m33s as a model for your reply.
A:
5h00m50s
